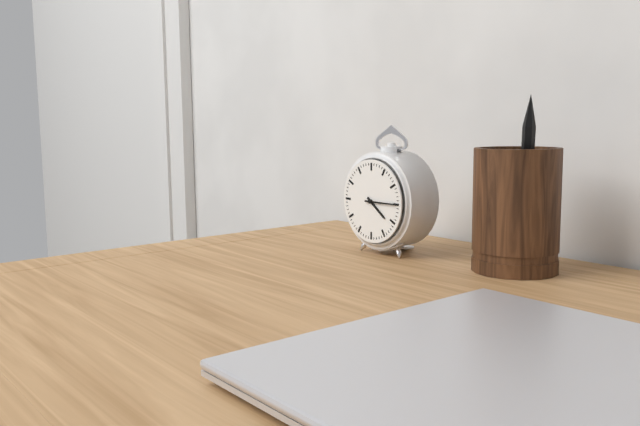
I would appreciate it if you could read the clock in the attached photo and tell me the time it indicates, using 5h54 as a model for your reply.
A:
4h15
